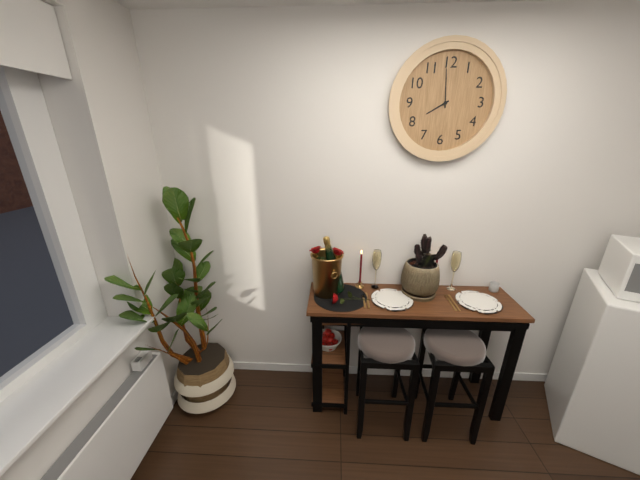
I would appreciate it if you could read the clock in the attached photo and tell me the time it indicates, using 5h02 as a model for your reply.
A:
7h59
